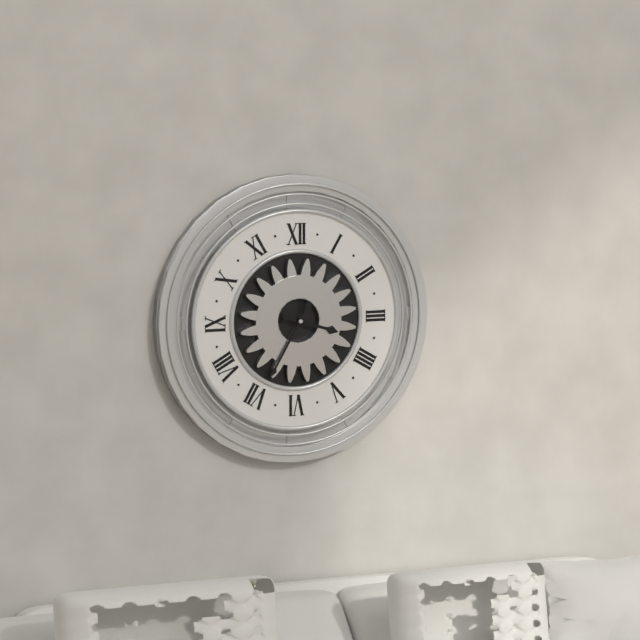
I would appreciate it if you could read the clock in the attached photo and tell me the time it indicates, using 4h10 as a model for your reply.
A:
3h35
